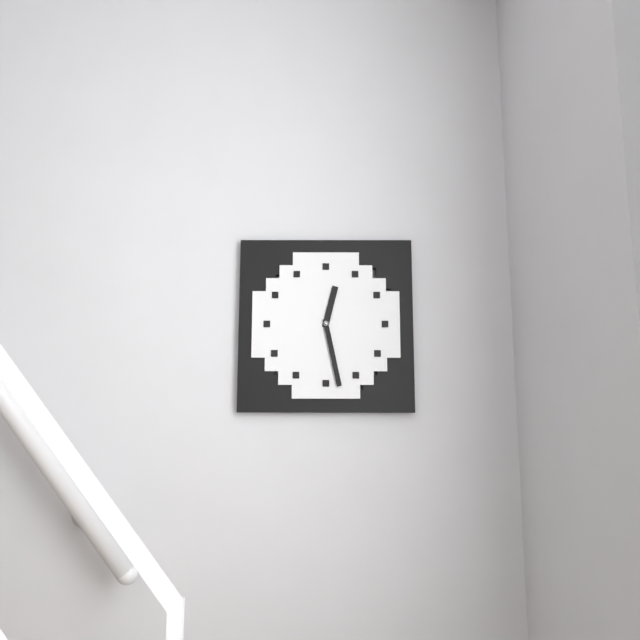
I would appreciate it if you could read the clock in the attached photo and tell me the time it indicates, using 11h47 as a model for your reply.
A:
12h28
